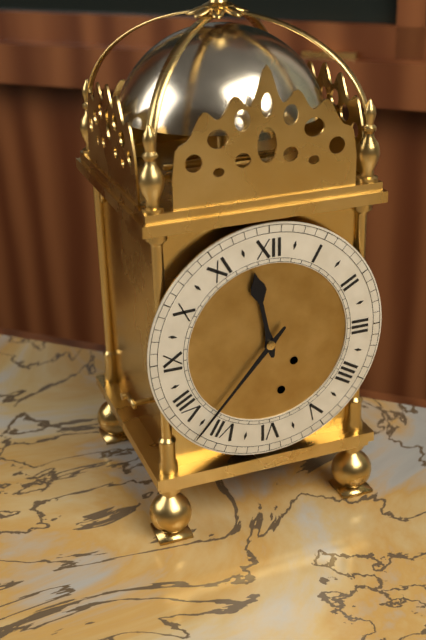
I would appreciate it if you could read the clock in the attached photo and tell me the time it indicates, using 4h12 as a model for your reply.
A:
11h37
